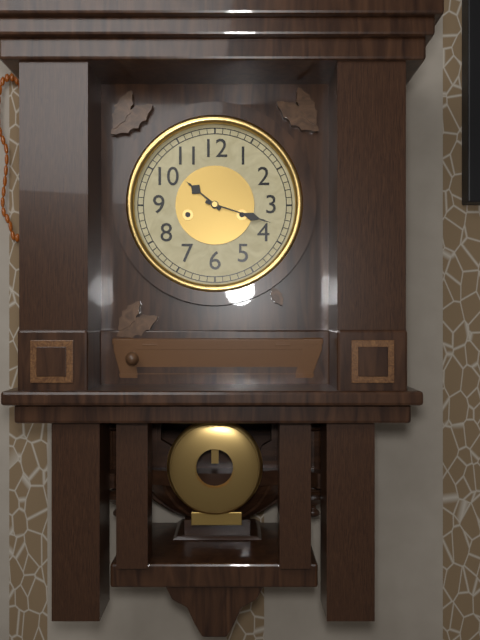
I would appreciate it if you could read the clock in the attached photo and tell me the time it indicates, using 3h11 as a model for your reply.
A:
10h18
